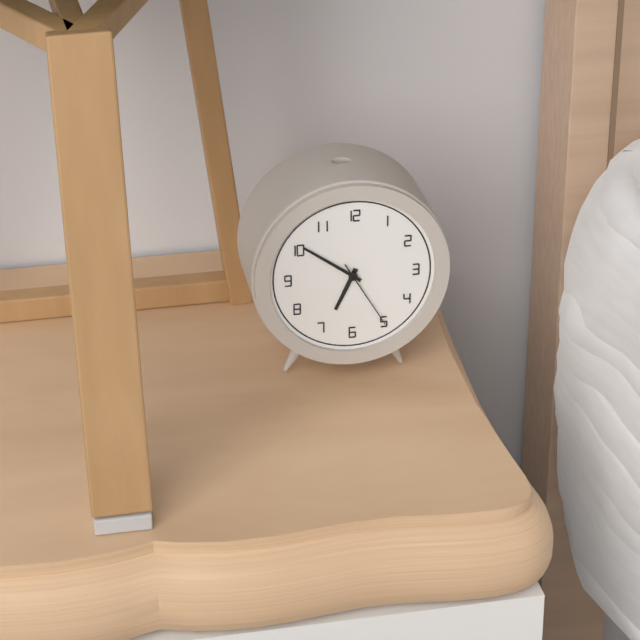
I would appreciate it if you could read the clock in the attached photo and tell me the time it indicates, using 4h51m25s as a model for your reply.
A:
6h51m25s
